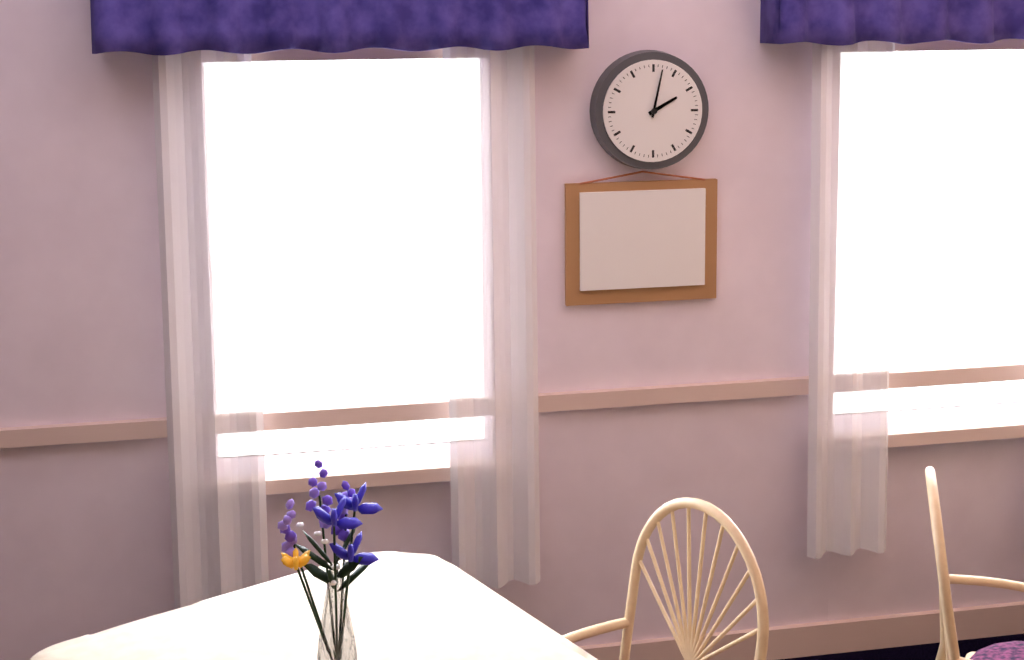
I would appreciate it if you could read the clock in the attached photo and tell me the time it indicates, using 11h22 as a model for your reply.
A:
2h02
